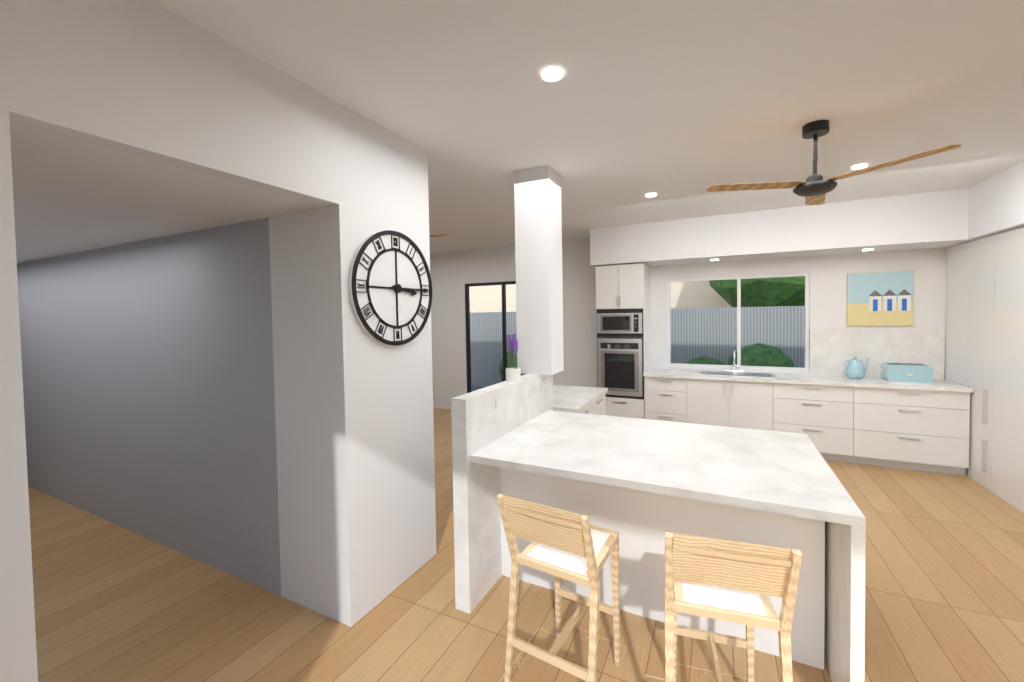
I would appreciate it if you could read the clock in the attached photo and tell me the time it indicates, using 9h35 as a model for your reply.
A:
3h15
